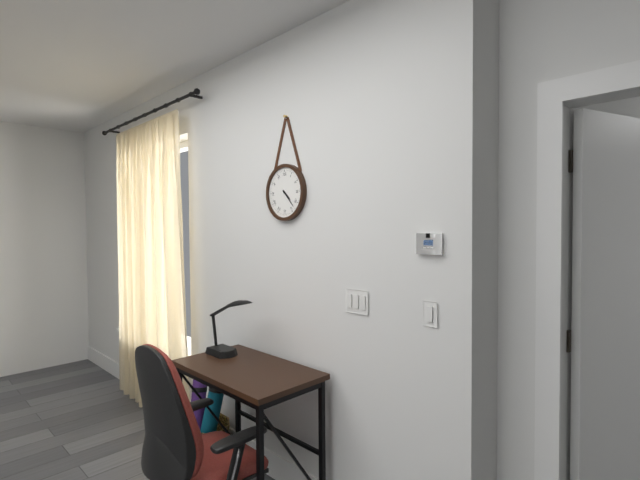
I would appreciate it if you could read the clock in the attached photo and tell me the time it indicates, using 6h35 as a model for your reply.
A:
4h23
